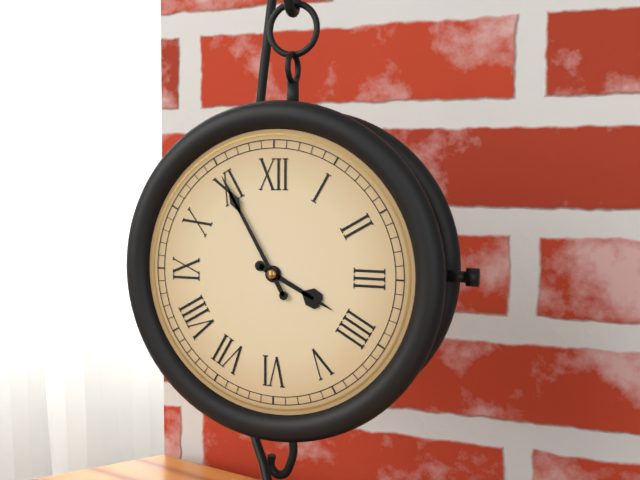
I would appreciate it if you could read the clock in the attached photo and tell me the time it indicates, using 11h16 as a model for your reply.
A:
3h55
